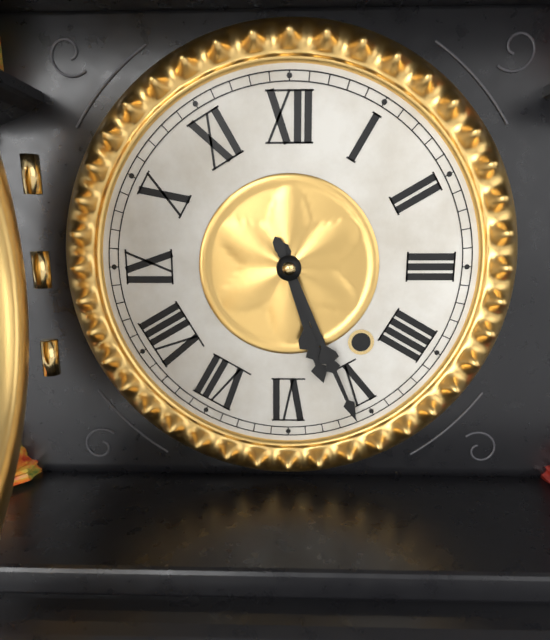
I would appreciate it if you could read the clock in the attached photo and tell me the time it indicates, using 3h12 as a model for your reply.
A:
5h26
